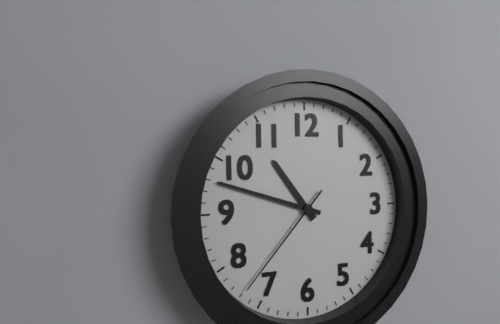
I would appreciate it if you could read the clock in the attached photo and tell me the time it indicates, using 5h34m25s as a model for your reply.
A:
10h48m37s
